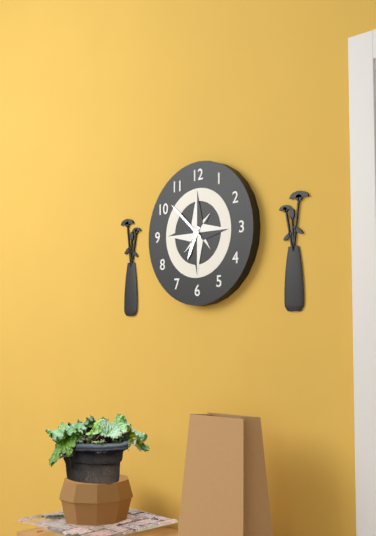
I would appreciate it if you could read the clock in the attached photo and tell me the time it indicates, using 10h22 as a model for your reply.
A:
6h52
